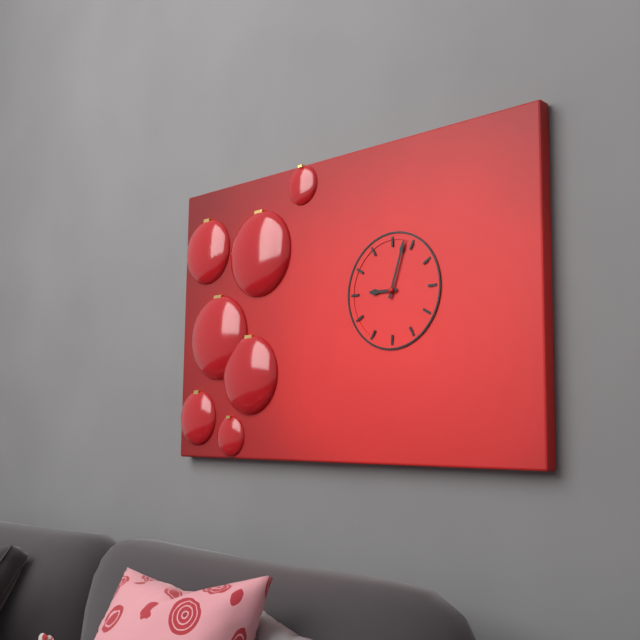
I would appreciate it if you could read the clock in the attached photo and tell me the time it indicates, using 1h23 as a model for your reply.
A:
9h03
